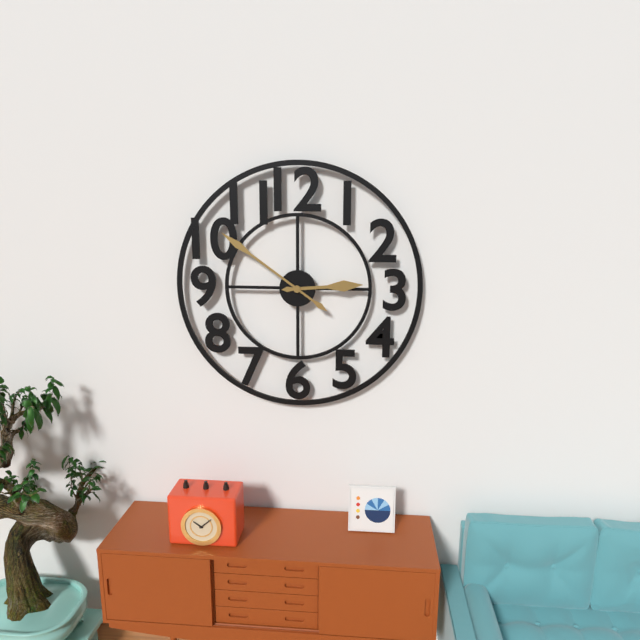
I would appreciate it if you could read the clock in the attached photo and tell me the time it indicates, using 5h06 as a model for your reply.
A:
2h51
